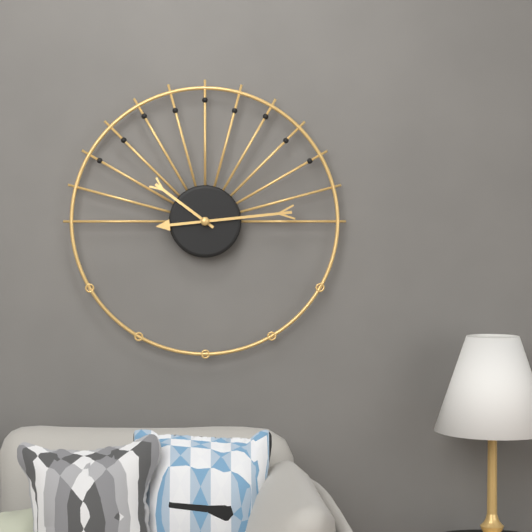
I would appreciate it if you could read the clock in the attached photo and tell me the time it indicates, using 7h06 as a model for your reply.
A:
10h14
